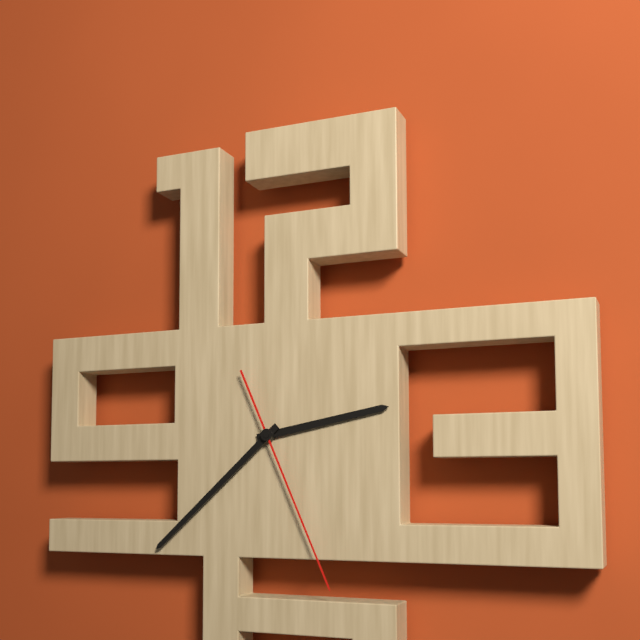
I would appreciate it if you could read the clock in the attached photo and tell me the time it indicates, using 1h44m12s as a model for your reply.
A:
2h38m26s
